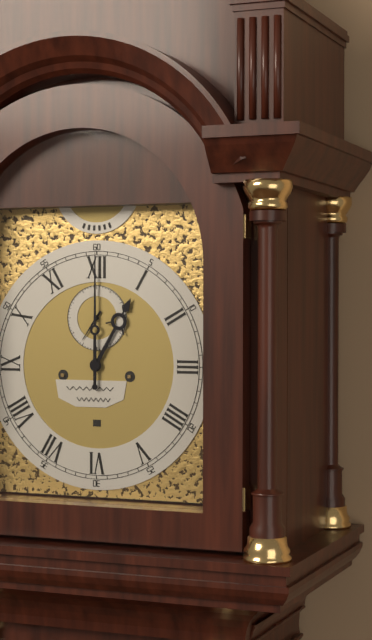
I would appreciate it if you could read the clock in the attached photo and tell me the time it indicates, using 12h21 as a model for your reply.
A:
1h00
